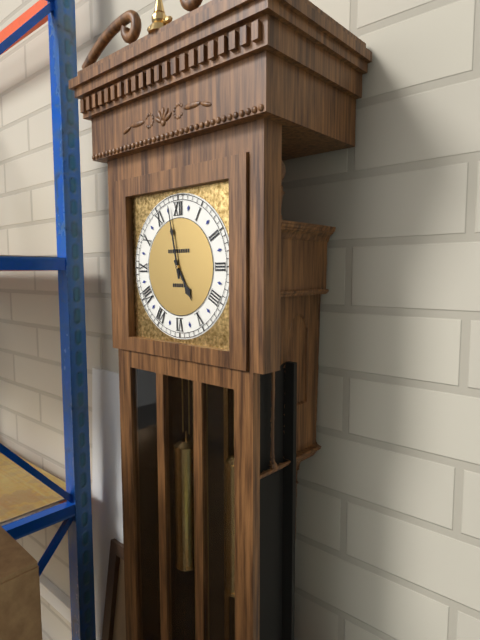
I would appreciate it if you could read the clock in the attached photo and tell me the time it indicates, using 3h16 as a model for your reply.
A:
4h58
